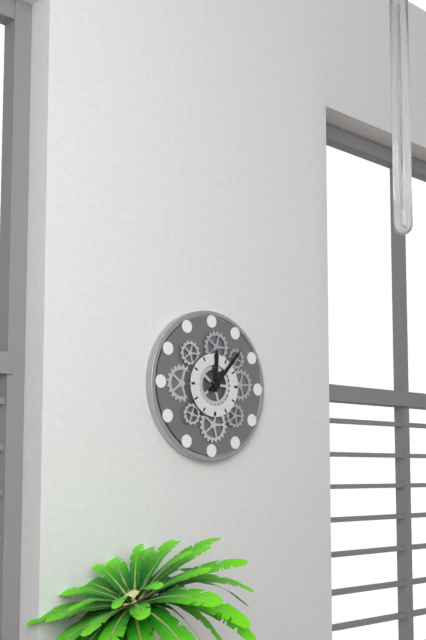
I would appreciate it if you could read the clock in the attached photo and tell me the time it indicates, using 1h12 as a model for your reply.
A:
12h07
